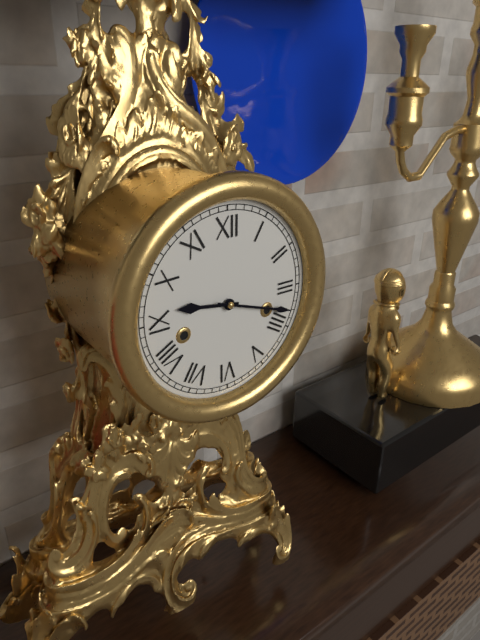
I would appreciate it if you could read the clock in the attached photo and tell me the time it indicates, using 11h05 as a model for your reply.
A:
9h18
